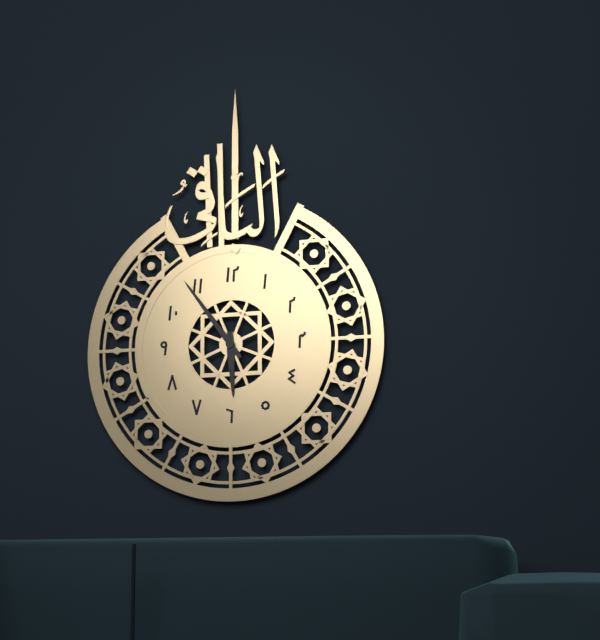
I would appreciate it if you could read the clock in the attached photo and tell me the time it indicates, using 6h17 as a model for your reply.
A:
5h54
